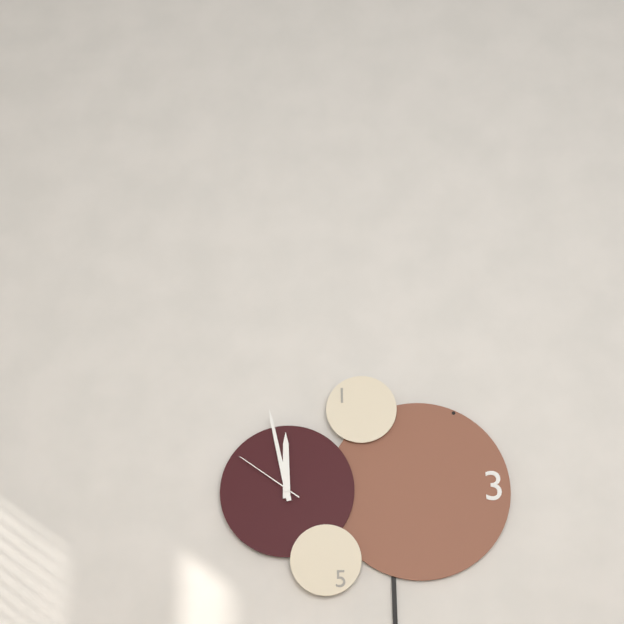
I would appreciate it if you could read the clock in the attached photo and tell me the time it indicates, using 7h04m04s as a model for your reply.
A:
11h58m51s
